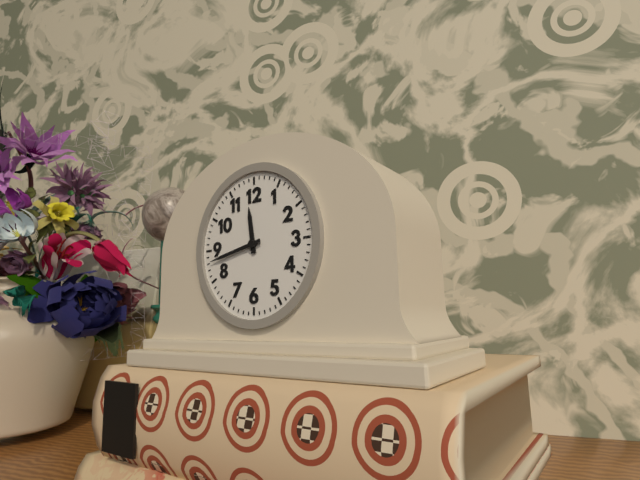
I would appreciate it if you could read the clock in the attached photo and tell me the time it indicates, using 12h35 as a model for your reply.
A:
11h43
